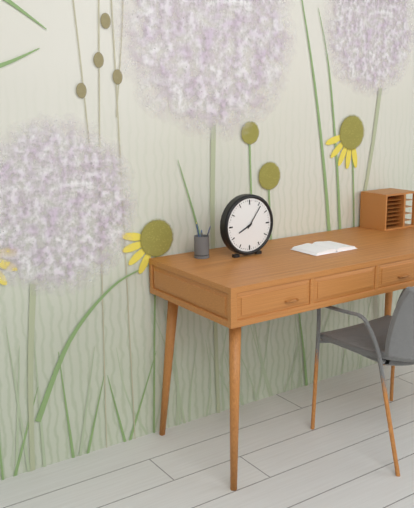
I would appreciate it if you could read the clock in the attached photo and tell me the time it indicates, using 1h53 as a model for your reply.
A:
8h06
